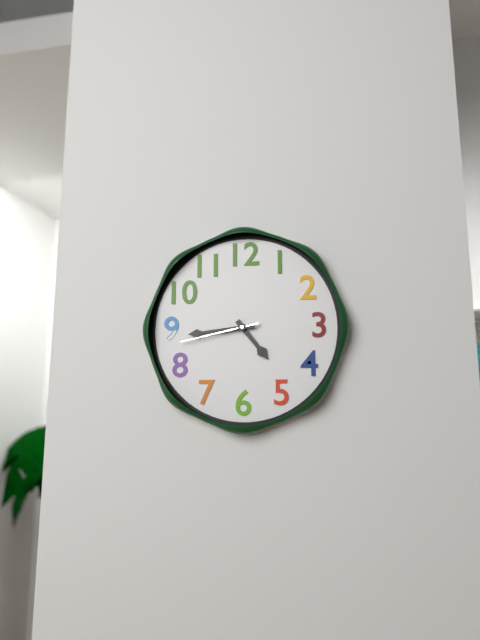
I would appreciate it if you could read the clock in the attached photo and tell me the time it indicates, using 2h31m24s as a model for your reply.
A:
4h44m43s
